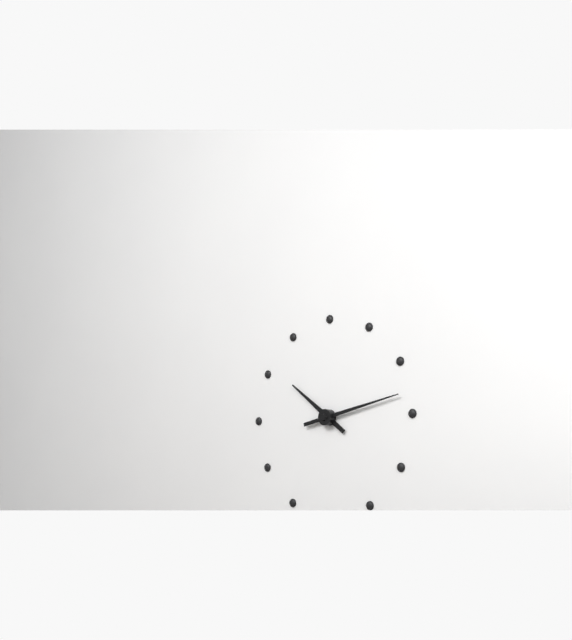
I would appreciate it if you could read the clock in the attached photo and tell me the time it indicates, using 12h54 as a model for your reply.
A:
10h13
